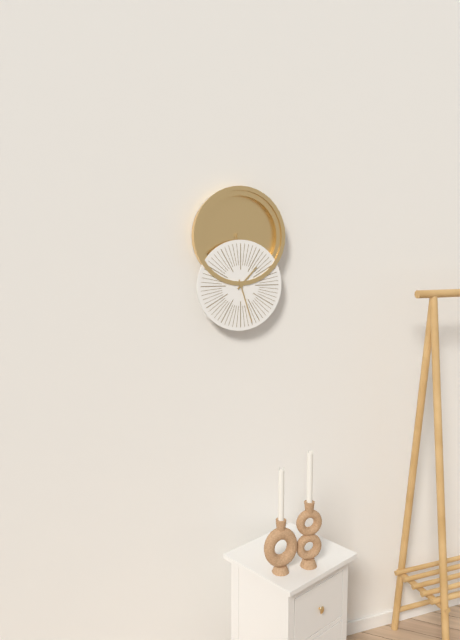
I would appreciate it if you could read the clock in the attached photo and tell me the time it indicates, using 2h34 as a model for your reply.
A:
1h27
